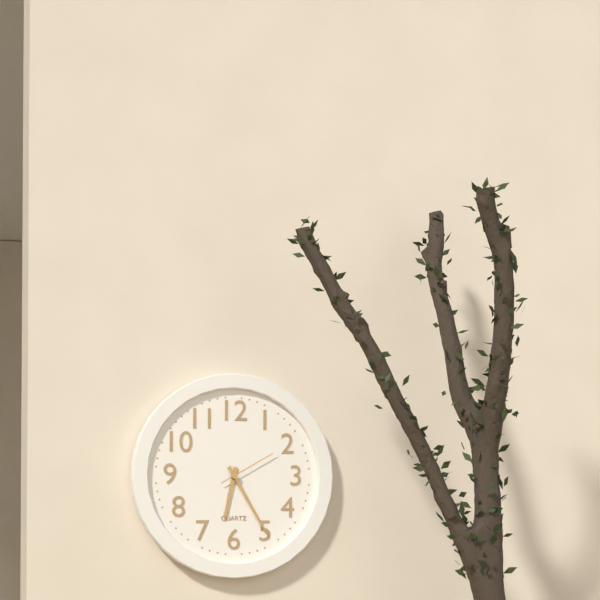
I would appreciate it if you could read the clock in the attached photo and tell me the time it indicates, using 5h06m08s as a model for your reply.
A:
6h25m10s
